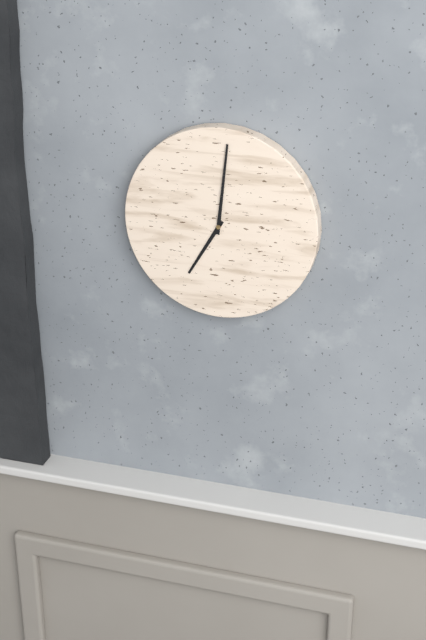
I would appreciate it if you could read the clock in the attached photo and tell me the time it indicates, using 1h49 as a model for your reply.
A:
7h01
